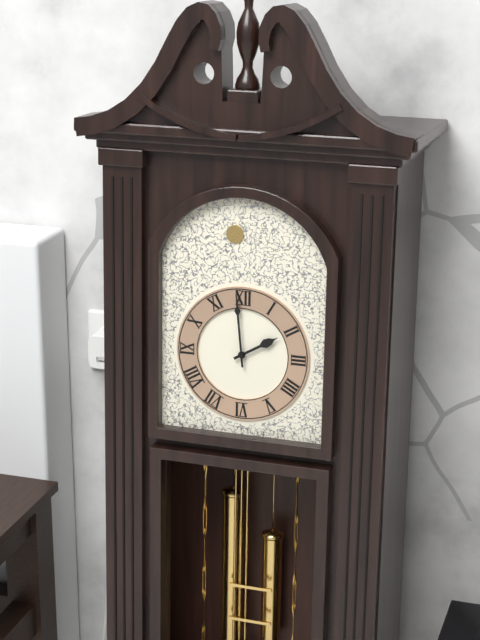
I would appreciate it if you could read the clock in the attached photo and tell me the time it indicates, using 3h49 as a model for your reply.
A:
1h59
